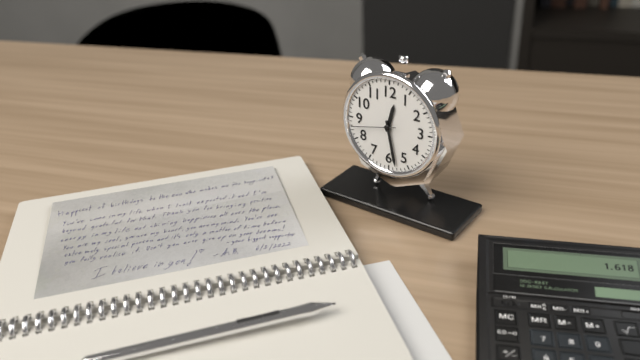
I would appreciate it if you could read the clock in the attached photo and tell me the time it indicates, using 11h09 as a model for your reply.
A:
12h28
